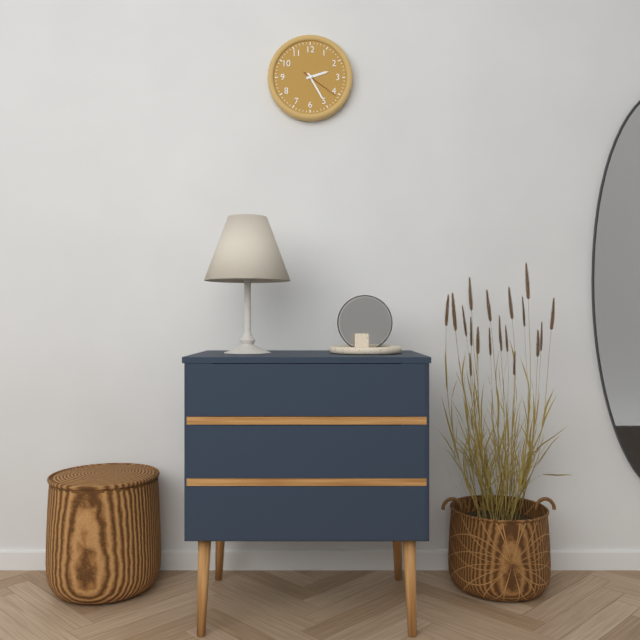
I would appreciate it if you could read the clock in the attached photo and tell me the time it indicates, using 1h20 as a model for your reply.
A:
2h25
